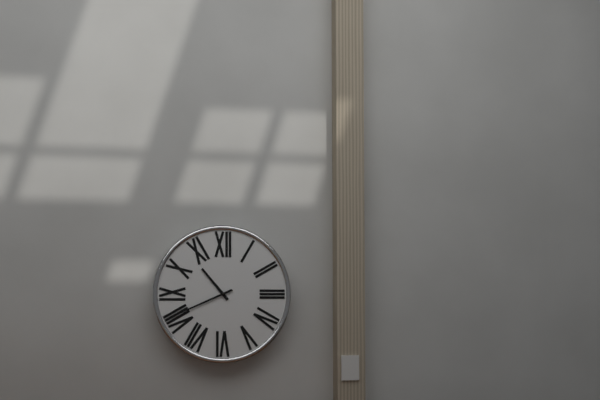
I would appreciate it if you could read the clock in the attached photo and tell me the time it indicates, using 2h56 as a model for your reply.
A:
10h41
